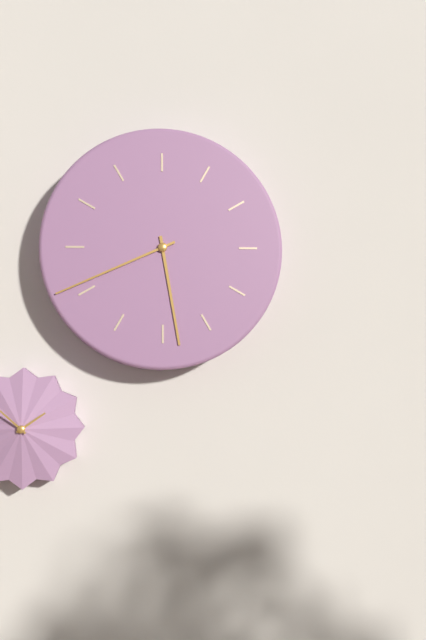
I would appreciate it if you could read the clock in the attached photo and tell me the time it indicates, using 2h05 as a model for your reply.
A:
5h41
